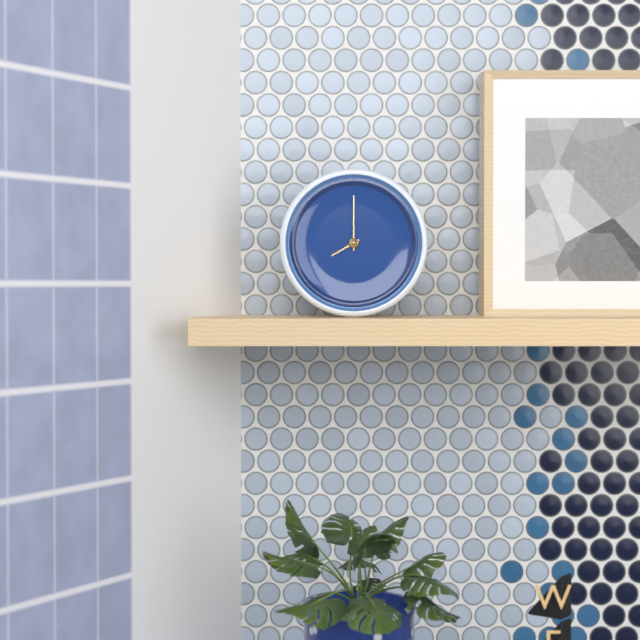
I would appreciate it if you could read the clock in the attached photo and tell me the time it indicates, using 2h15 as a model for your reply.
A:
8h00
